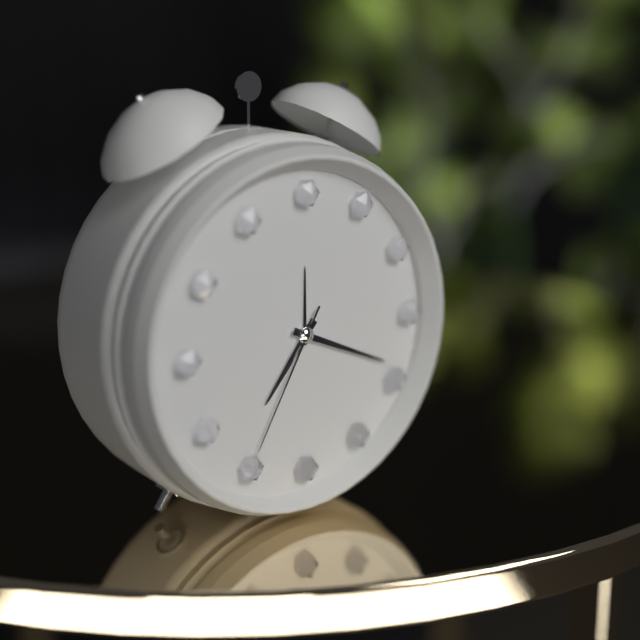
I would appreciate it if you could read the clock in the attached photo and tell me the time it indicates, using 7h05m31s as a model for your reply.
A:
7h19m35s
